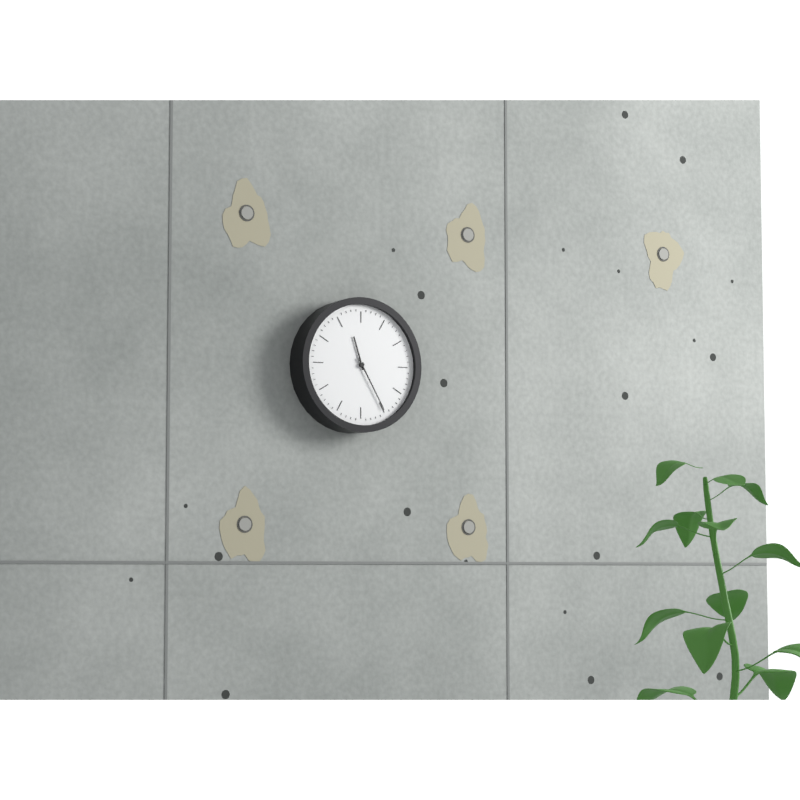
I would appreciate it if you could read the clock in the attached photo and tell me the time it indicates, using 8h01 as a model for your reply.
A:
11h25
